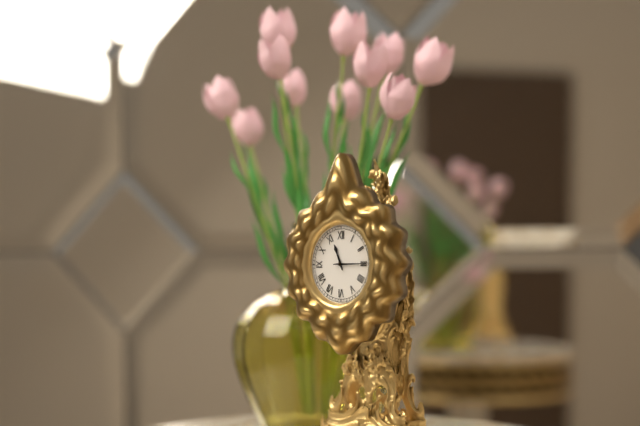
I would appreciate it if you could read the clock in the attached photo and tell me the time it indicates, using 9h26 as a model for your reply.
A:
11h15
